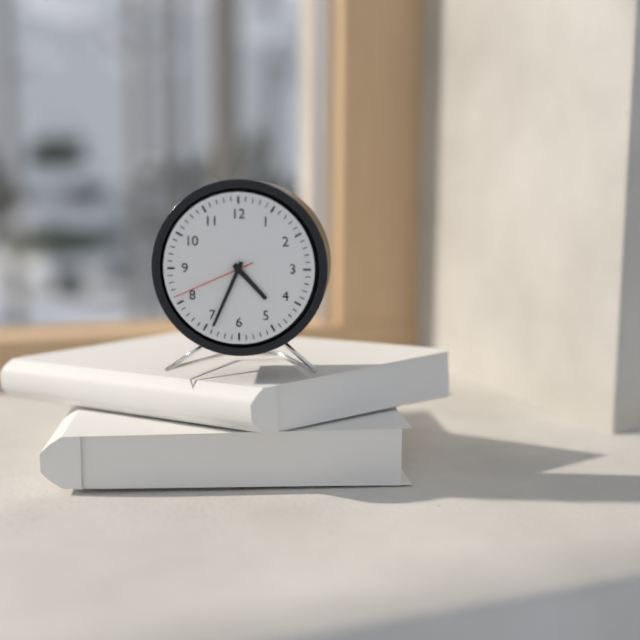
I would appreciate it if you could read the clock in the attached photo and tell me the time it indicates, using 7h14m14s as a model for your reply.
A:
4h34m41s
